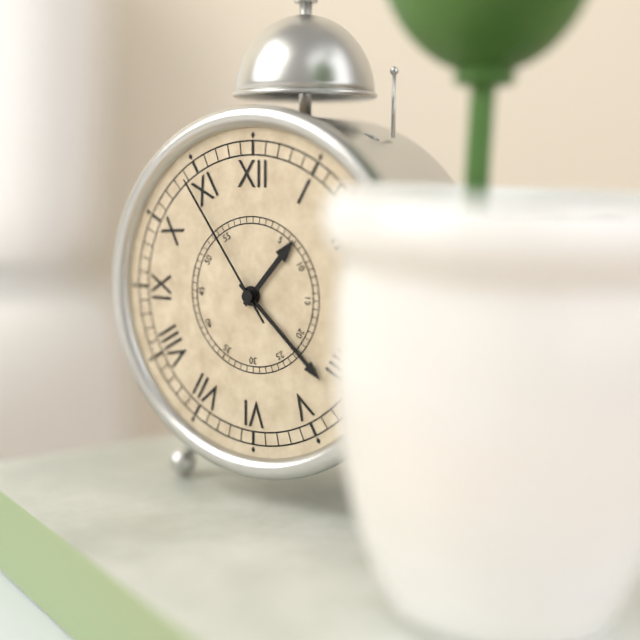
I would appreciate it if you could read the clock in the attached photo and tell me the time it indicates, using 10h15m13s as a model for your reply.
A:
1h22m54s
